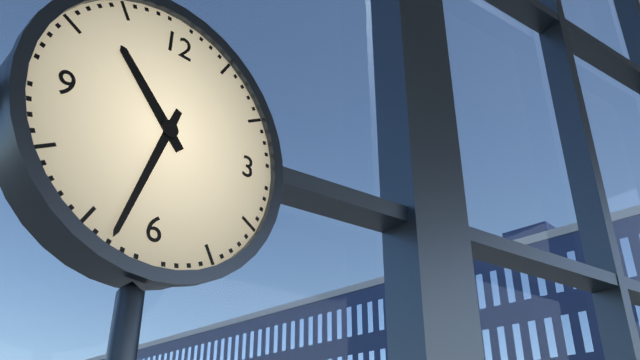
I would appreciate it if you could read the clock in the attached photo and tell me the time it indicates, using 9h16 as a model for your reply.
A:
10h33
